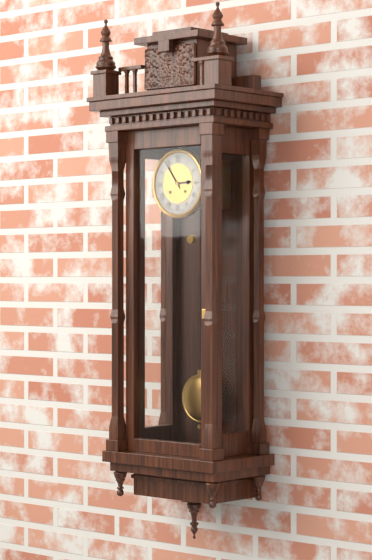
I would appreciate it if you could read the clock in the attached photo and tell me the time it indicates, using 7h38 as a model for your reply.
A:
2h54
